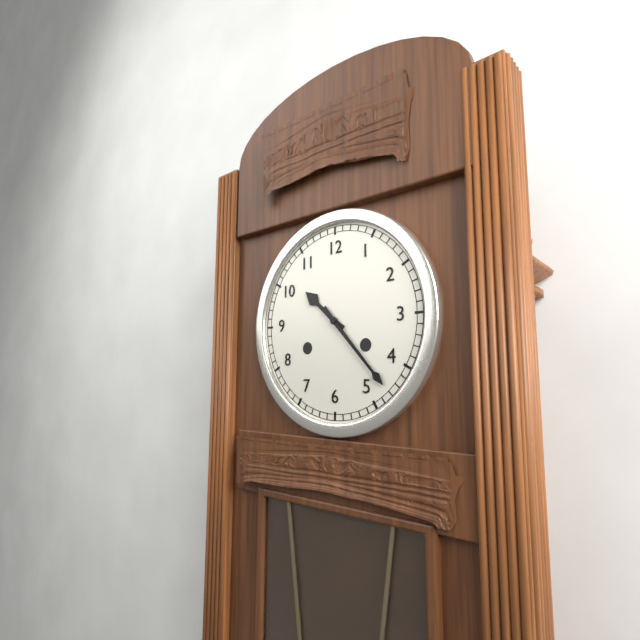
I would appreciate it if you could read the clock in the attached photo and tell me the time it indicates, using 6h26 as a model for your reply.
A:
10h23
